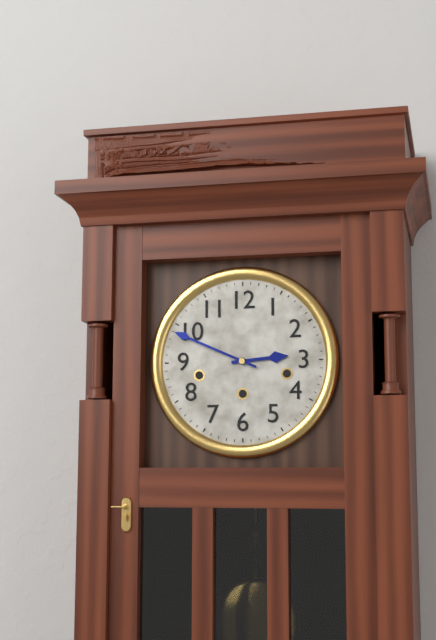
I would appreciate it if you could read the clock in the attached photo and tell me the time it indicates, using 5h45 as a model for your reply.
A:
2h49
